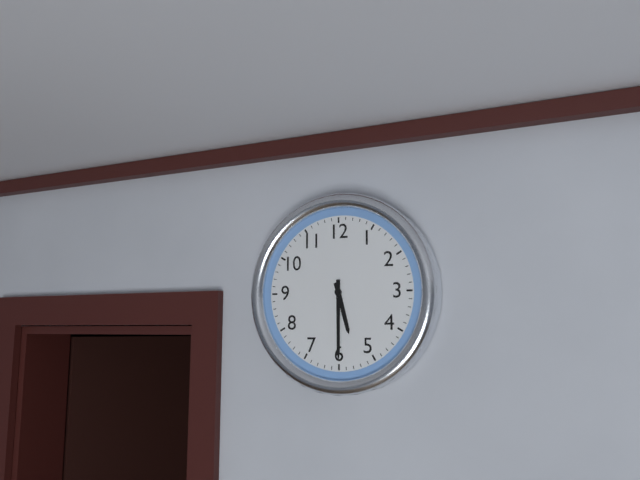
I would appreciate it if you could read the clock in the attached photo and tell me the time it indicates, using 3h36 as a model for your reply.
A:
5h30
